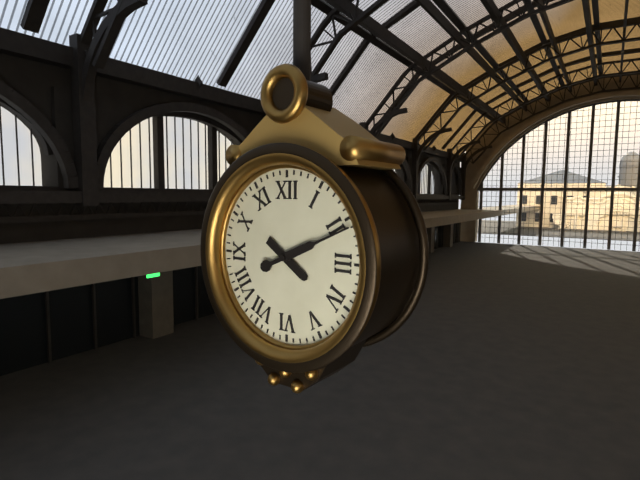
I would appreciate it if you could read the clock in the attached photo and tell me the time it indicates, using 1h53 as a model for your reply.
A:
4h11
